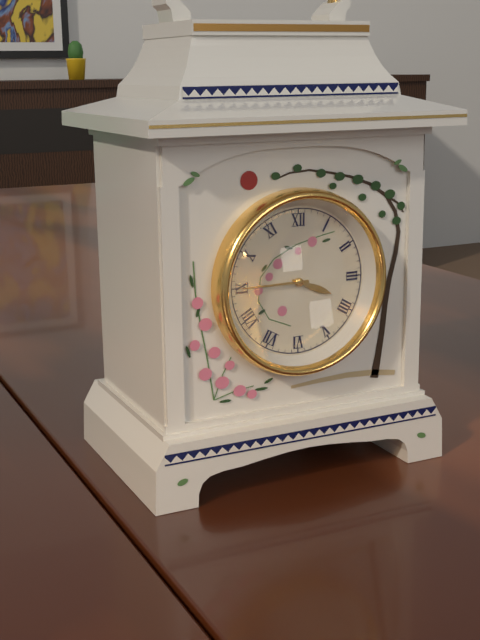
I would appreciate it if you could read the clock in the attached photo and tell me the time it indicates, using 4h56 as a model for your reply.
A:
3h45
